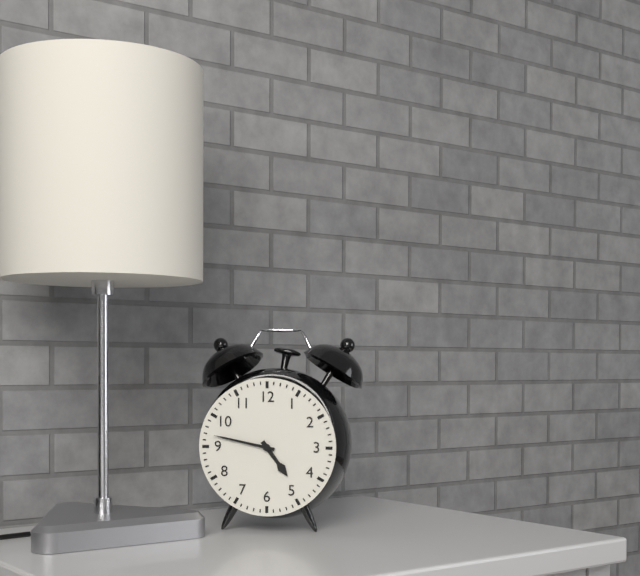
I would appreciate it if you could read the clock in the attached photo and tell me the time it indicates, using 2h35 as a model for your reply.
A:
4h47
